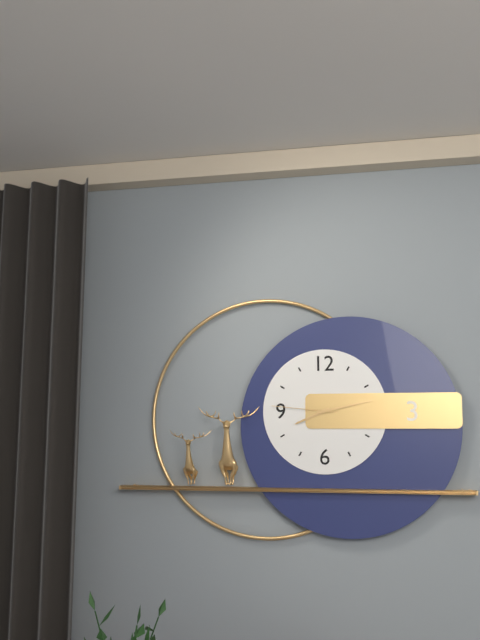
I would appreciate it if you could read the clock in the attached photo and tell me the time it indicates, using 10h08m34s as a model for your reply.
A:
8h13m46s
